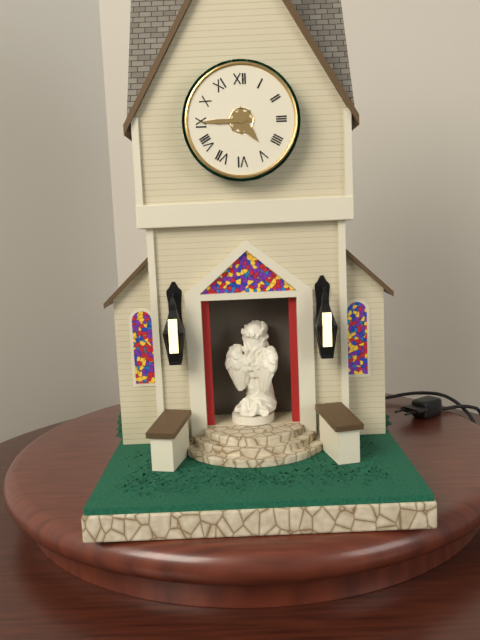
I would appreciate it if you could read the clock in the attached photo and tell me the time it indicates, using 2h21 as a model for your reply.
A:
4h45
